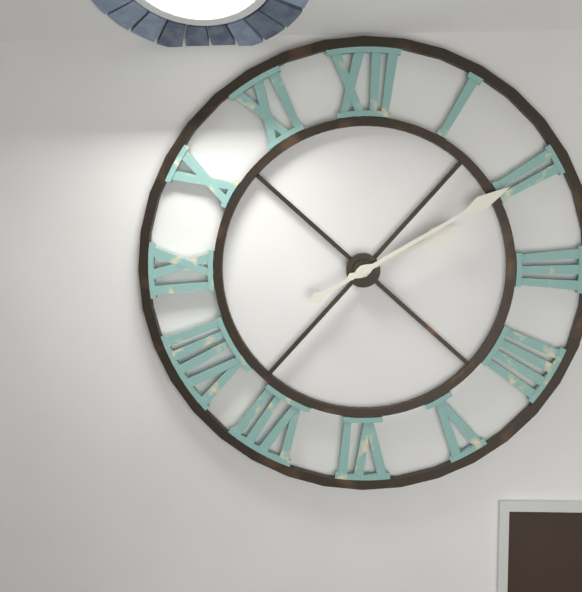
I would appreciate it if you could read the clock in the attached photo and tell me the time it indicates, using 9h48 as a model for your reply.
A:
2h10
